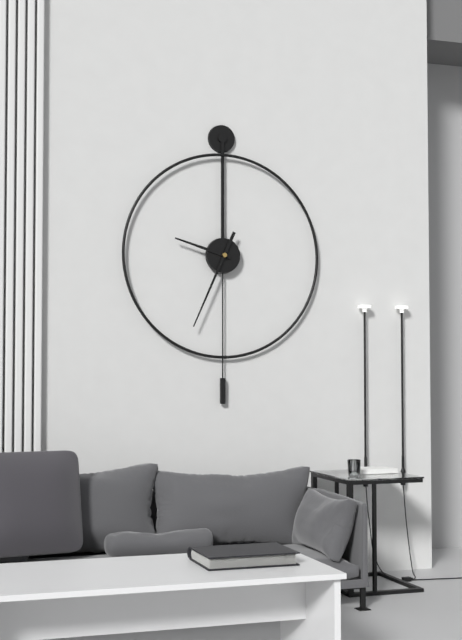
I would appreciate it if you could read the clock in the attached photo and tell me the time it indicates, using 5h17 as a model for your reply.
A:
9h34
